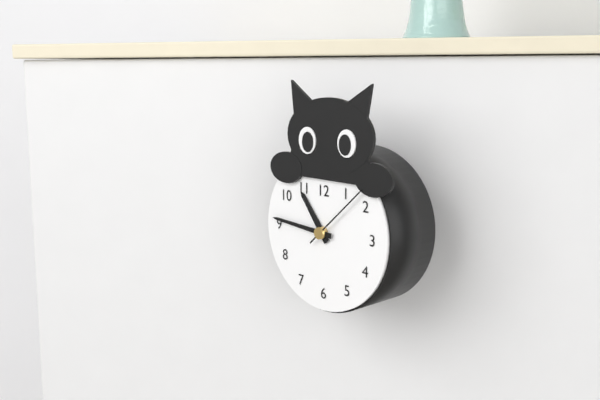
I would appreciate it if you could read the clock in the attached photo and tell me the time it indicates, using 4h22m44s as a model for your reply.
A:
10h46m08s
